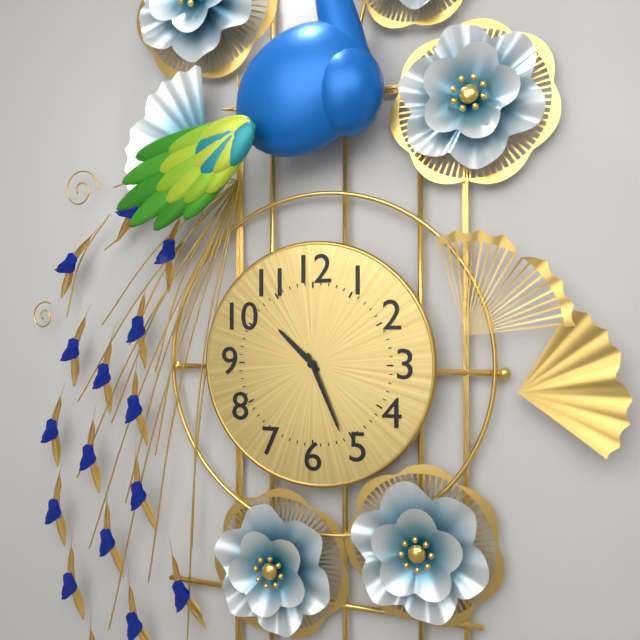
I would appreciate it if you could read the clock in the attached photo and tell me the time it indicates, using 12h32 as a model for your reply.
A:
10h26
